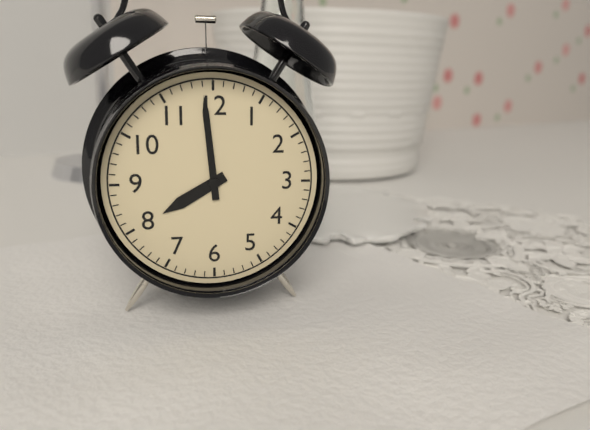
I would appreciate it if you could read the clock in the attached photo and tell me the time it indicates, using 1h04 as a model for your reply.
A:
7h59
